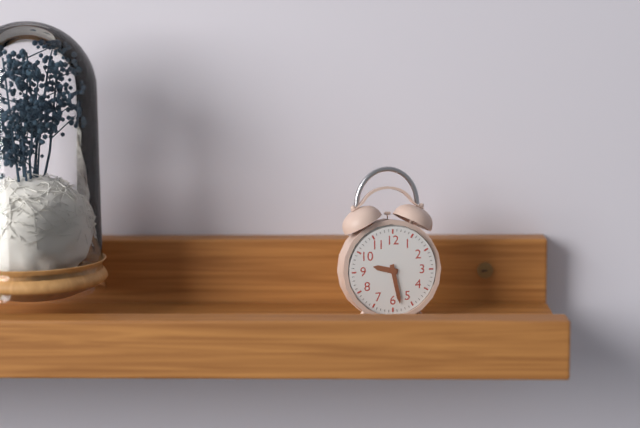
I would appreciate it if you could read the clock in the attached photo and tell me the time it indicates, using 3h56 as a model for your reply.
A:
9h28
